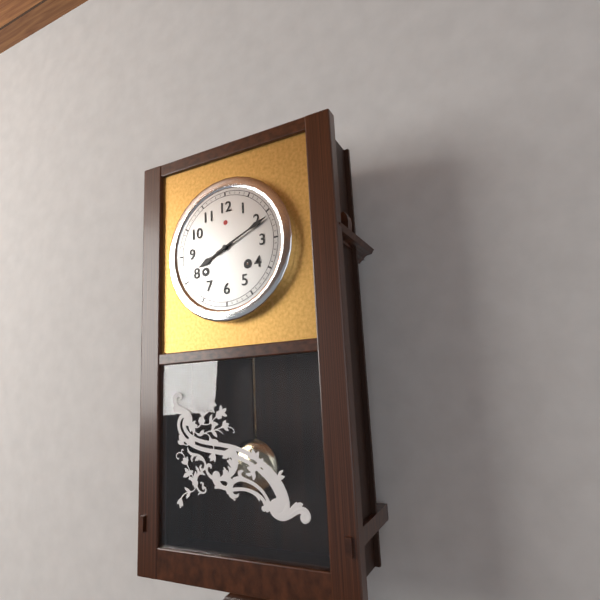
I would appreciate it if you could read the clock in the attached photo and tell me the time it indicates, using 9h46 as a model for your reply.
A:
8h11
